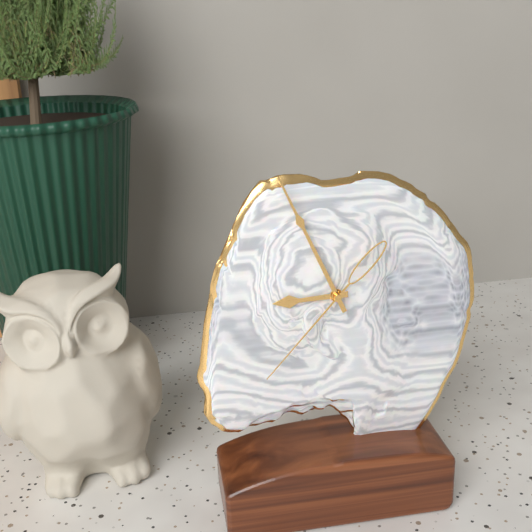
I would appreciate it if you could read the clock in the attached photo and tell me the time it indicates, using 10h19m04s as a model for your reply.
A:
8h56m37s
